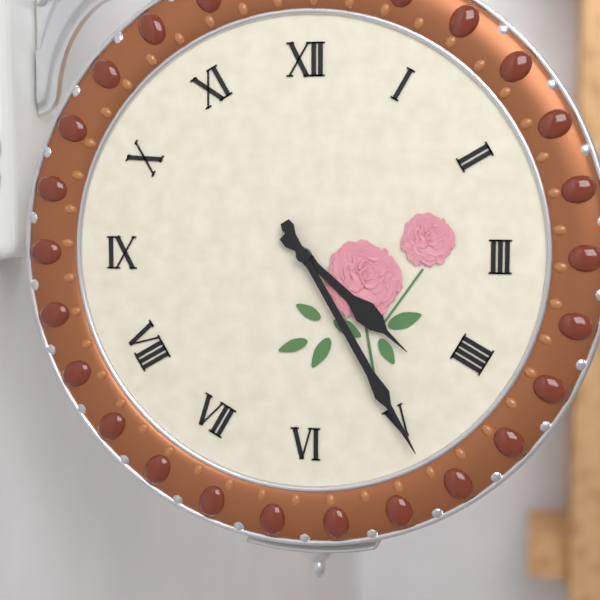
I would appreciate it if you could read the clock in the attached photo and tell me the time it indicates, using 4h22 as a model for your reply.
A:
4h25
